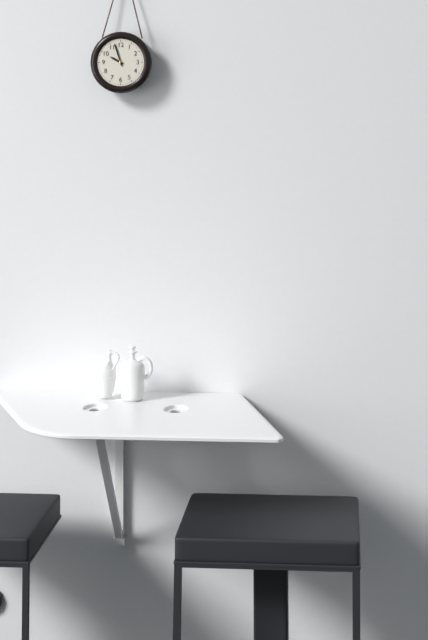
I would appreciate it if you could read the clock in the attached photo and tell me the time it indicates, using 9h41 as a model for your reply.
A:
9h57
